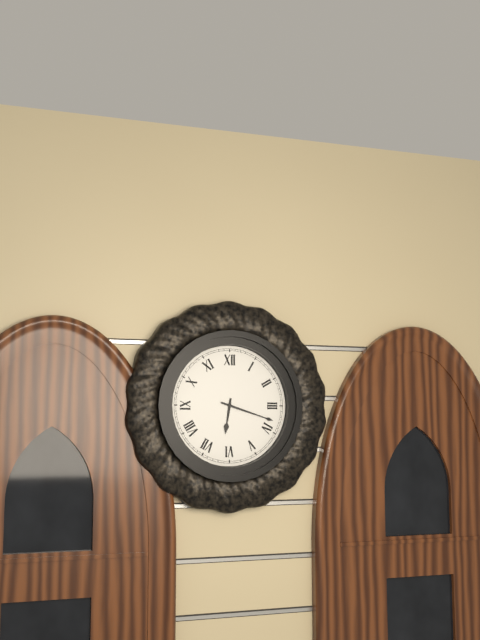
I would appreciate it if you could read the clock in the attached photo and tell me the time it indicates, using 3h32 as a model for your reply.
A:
6h18
